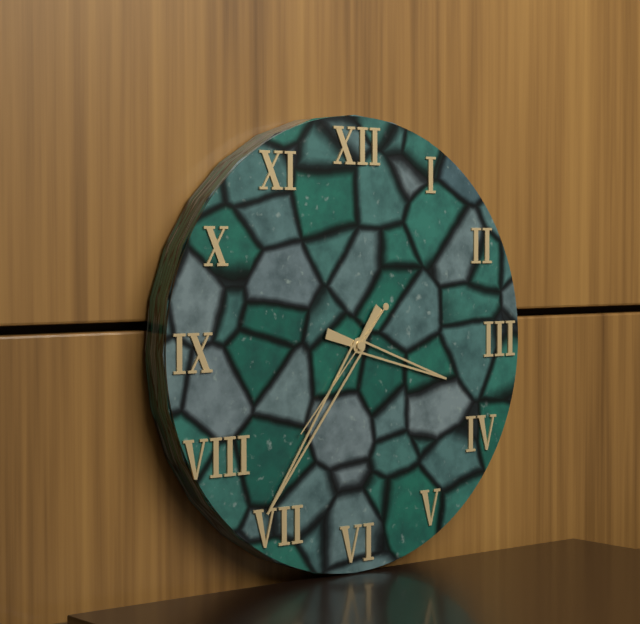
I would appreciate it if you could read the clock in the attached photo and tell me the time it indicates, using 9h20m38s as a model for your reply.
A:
3h36m37s
